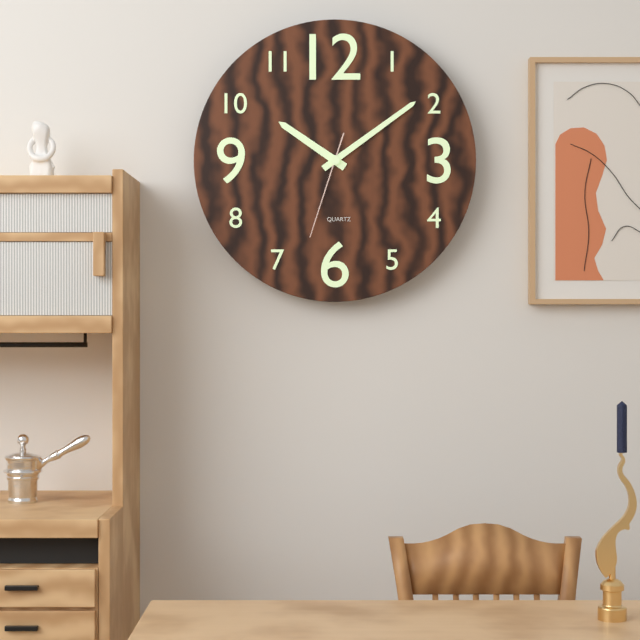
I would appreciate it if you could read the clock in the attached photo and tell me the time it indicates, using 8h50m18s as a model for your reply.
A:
10h09m33s
